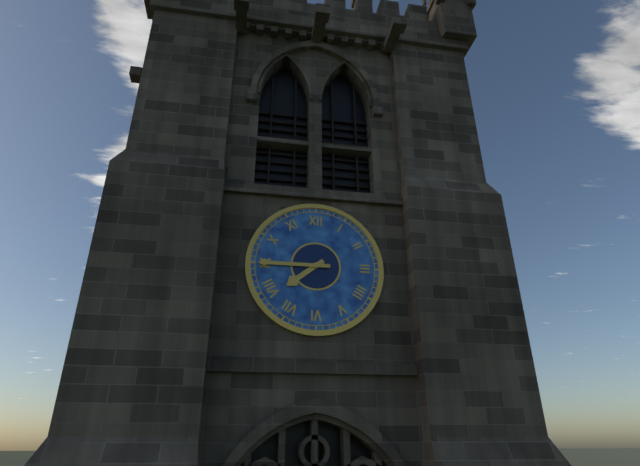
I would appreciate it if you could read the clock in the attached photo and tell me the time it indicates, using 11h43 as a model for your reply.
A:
7h45
